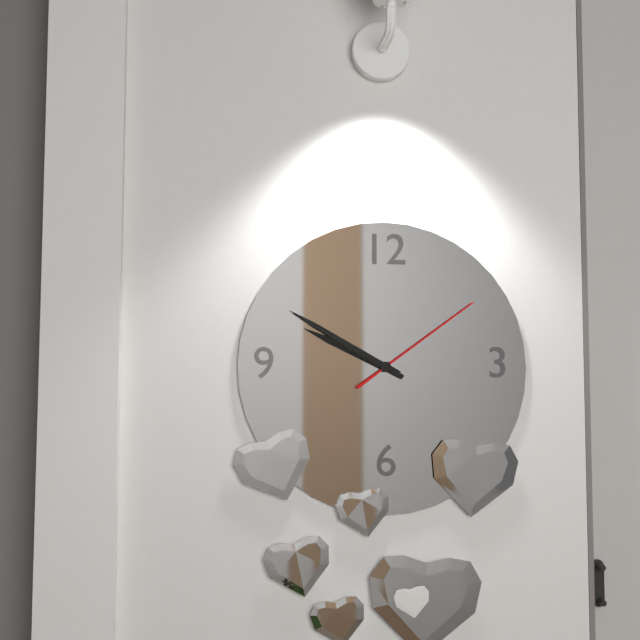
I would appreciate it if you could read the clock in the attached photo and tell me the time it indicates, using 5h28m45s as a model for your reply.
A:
9h50m09s
